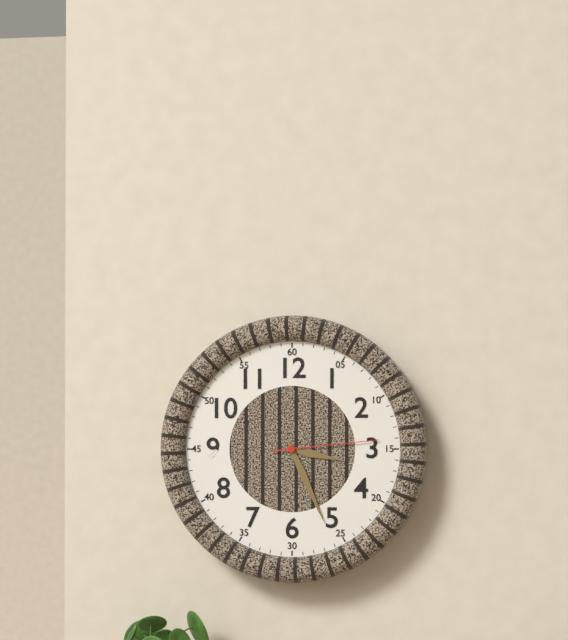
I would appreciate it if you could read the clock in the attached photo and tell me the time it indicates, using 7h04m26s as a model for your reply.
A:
3h26m14s
